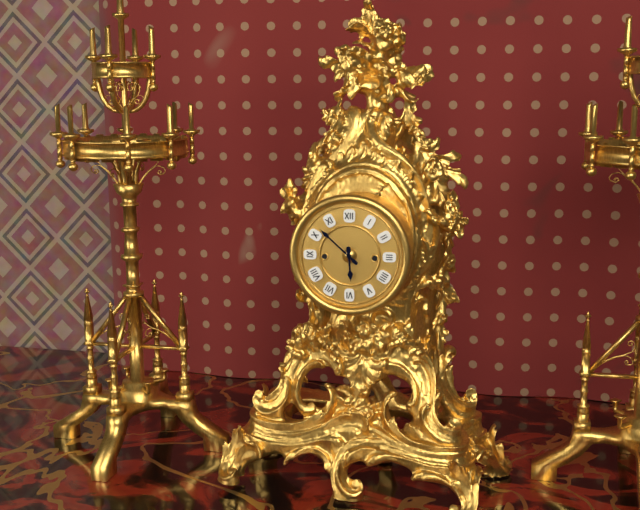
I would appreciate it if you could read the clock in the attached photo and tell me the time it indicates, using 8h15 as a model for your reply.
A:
5h52
